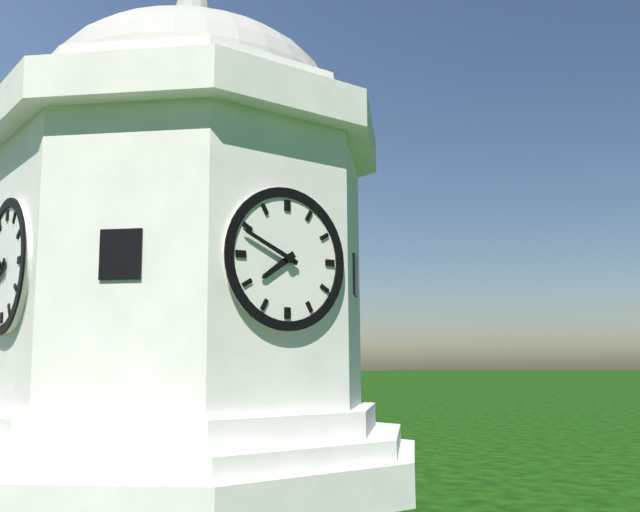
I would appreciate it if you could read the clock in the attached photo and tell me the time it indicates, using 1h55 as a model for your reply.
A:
7h49
